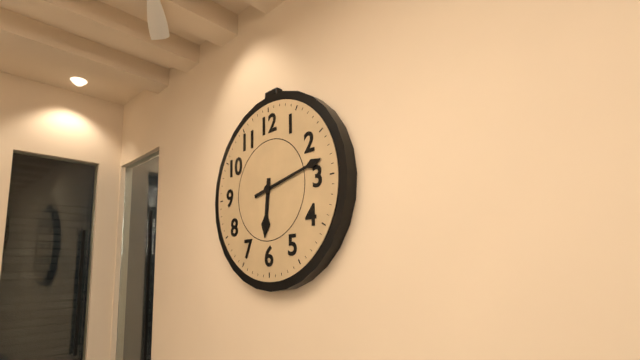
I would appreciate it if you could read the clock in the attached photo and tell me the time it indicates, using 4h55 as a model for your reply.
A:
6h13
